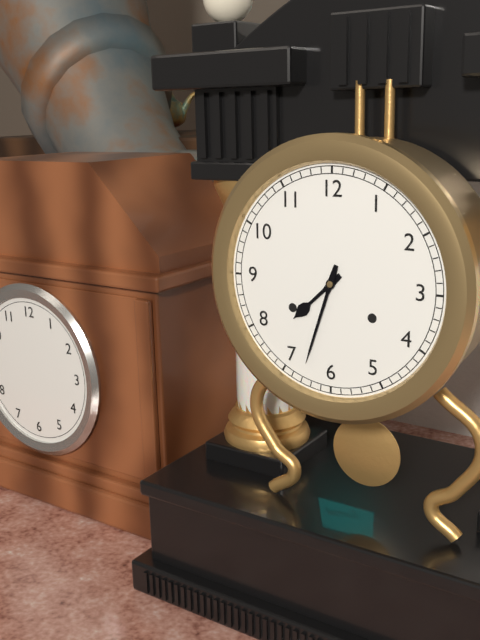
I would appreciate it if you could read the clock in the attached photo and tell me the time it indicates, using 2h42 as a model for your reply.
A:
7h33
